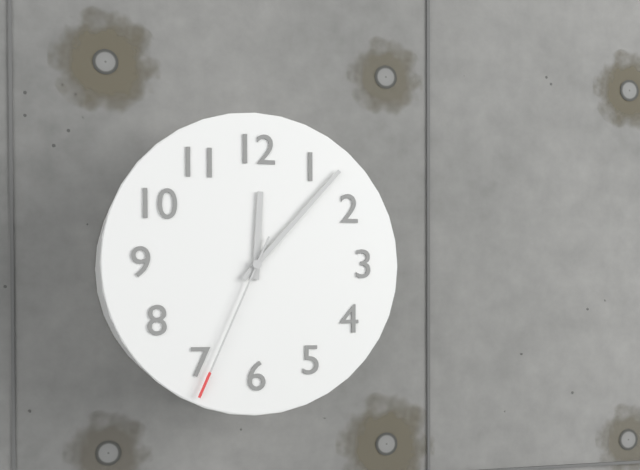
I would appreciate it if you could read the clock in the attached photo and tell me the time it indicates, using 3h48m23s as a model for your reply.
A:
12h07m34s
